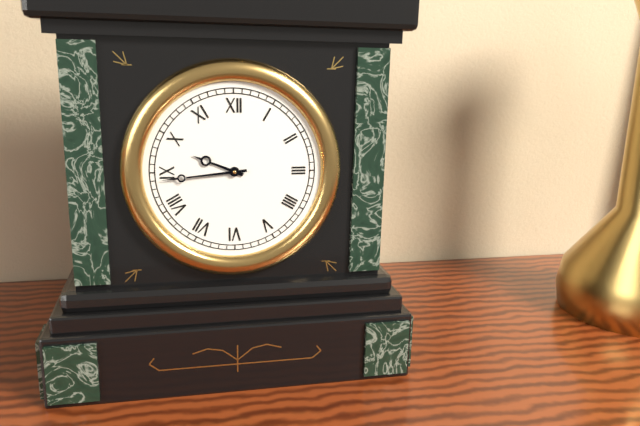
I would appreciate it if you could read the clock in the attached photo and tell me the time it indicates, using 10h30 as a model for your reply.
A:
9h44
